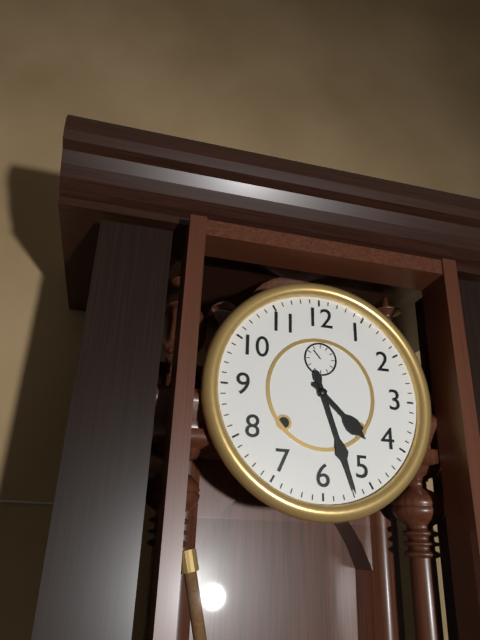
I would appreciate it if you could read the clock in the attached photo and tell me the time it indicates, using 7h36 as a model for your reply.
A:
4h27
